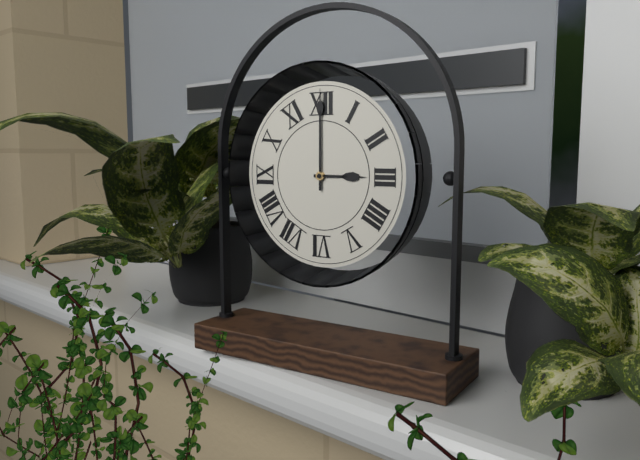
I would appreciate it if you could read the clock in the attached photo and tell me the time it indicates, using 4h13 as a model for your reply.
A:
3h00
